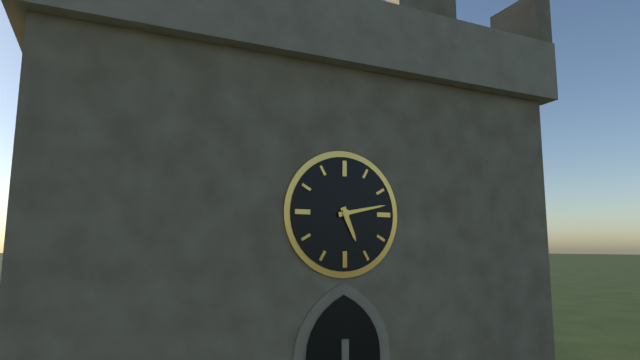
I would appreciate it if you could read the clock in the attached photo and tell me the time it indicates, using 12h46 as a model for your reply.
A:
5h13
